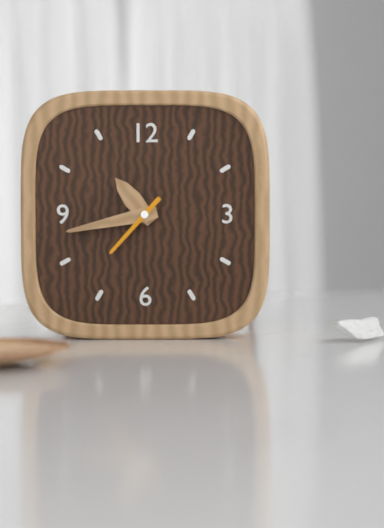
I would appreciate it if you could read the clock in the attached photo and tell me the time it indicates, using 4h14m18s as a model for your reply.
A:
10h43m37s
